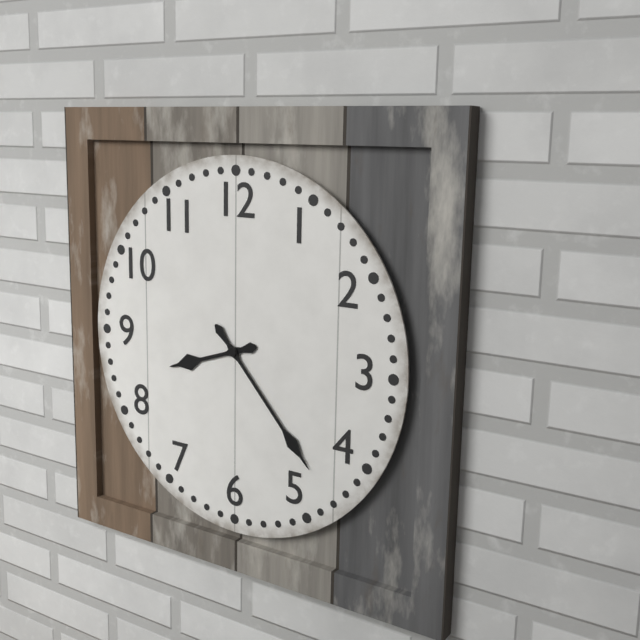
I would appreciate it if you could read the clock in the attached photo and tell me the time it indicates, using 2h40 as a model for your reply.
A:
8h23
